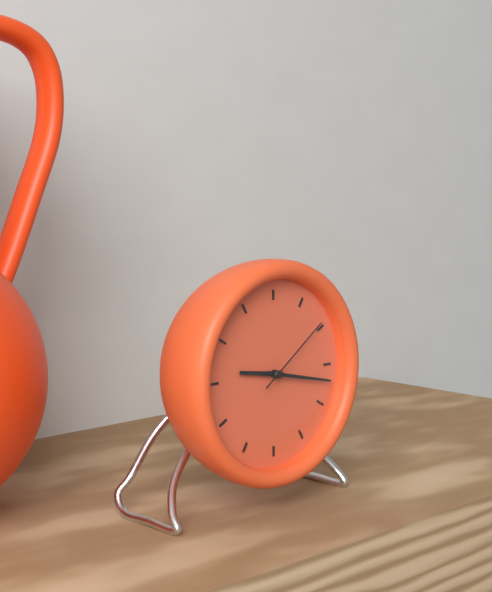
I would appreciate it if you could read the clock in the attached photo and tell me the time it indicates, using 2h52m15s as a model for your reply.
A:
9h17m09s
